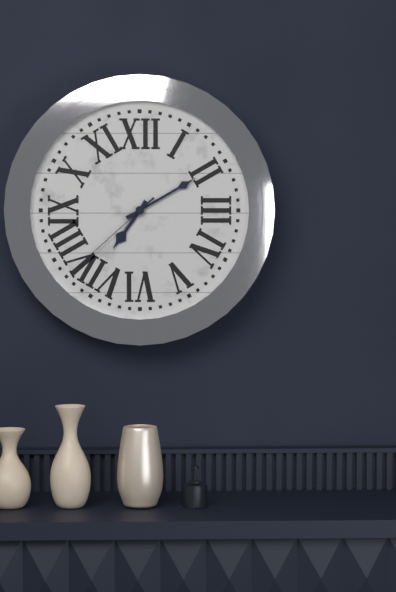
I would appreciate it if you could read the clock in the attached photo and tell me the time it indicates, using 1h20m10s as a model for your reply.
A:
7h10m38s
